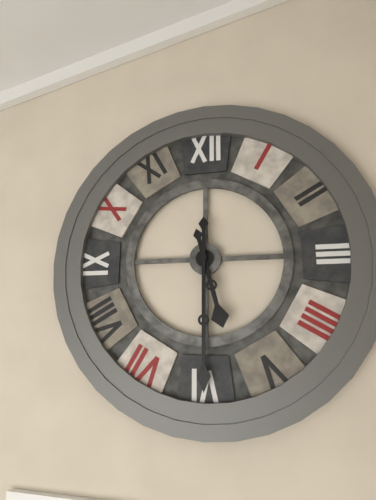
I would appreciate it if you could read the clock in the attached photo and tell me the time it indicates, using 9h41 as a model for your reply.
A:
5h30
